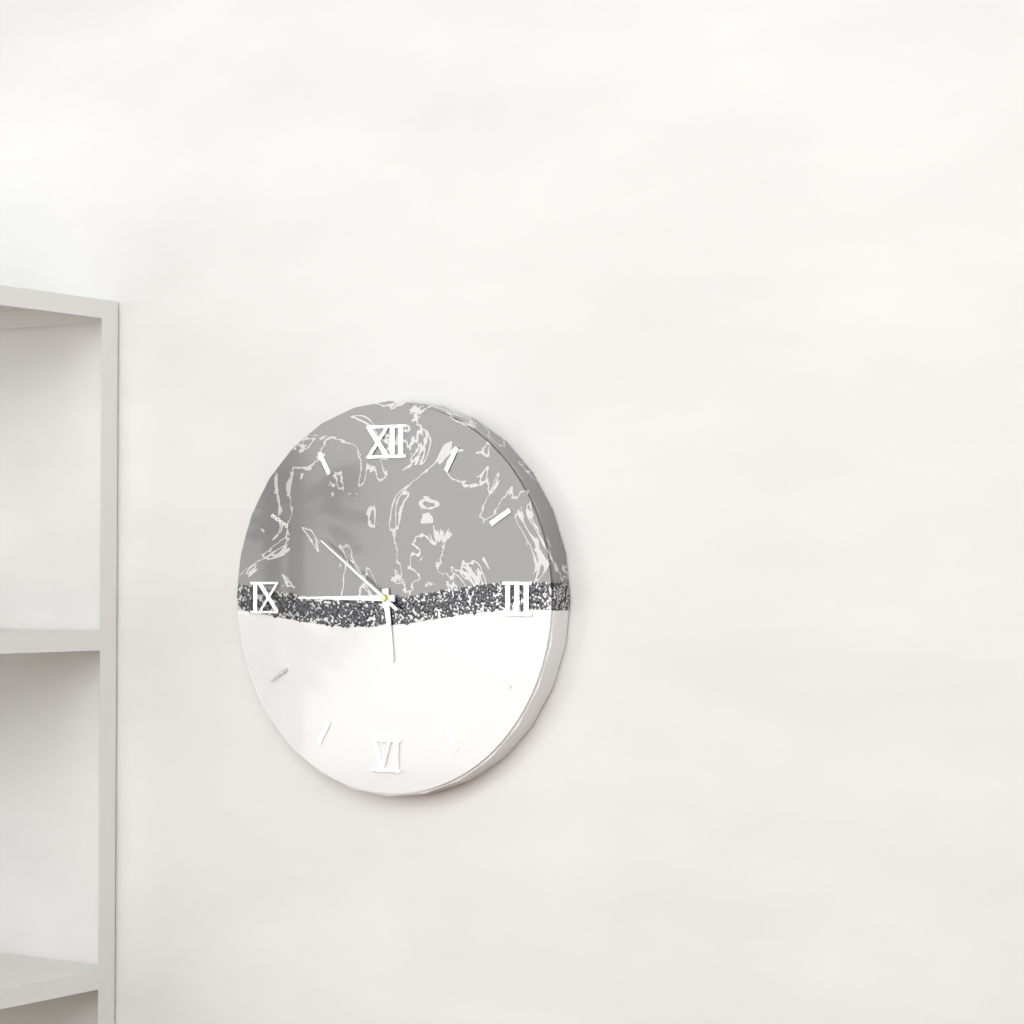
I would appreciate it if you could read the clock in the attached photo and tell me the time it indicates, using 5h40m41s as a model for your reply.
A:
5h45m51s
